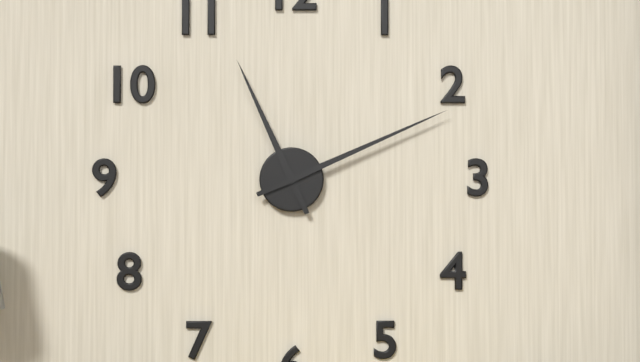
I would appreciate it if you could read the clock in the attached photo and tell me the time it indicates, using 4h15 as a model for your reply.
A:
11h11
